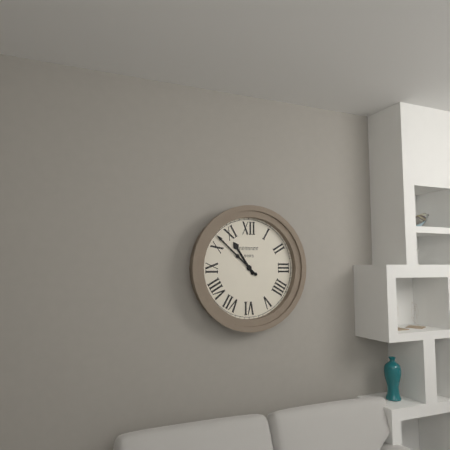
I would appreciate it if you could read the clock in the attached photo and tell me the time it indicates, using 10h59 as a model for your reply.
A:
10h52
